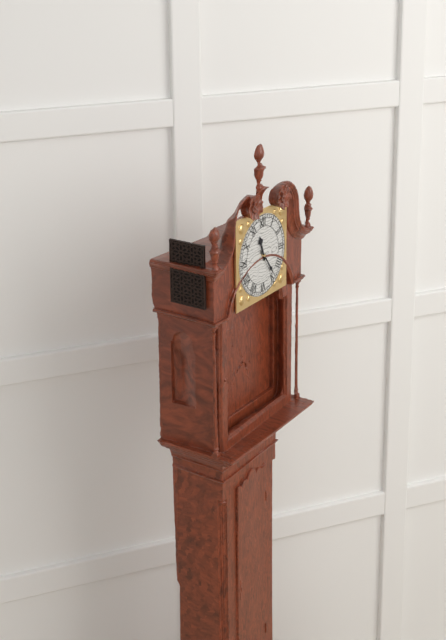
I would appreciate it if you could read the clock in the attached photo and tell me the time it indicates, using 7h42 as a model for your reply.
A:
11h24
